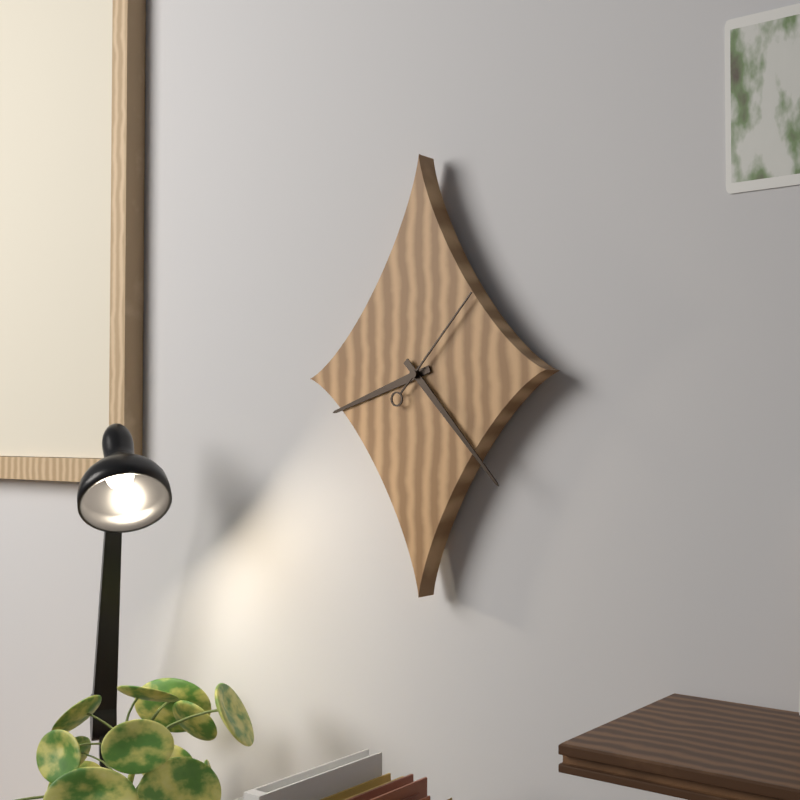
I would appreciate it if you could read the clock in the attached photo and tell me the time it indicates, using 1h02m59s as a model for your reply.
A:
8h23m07s
